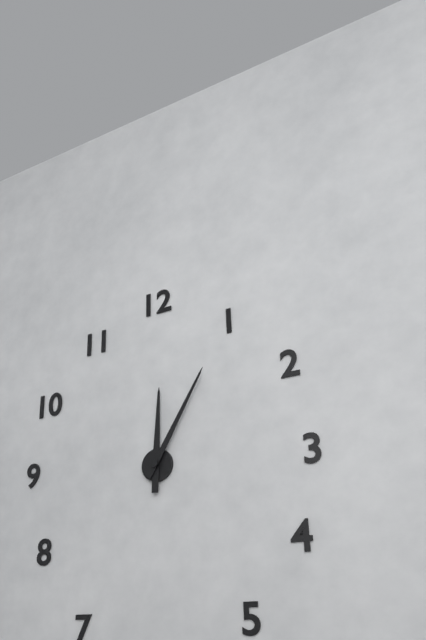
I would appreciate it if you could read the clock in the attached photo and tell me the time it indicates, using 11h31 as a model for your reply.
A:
12h05
